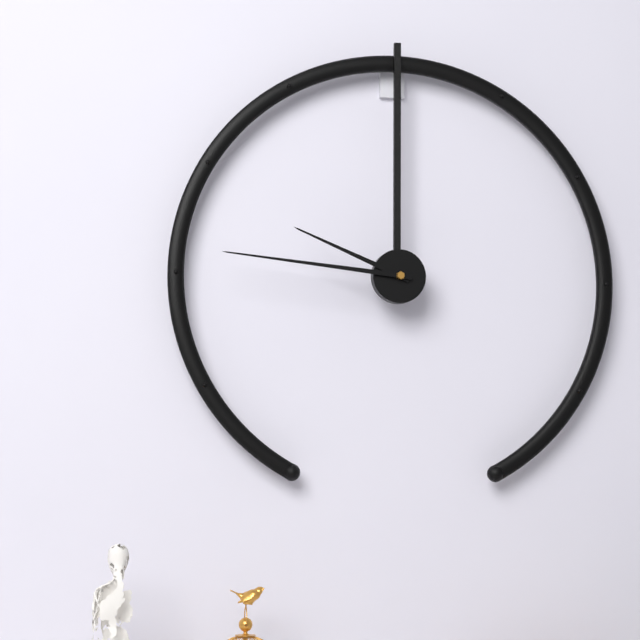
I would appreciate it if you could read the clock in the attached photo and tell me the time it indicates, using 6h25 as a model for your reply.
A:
9h46
